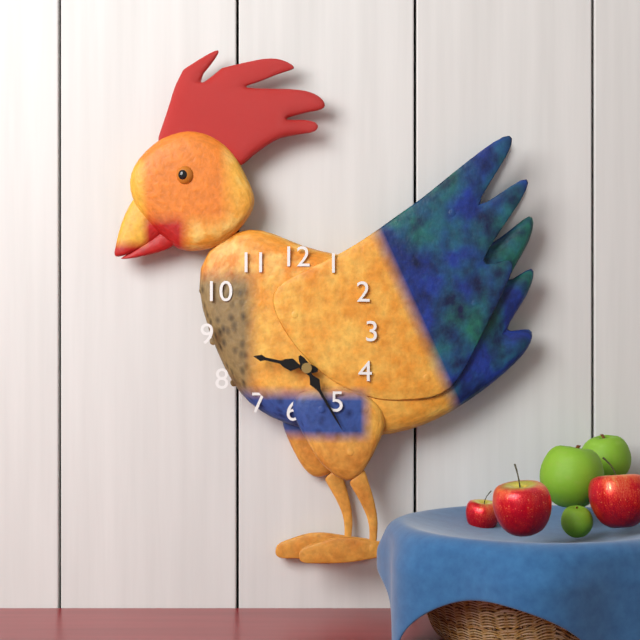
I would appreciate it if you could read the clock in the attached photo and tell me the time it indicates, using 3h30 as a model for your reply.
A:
9h25
